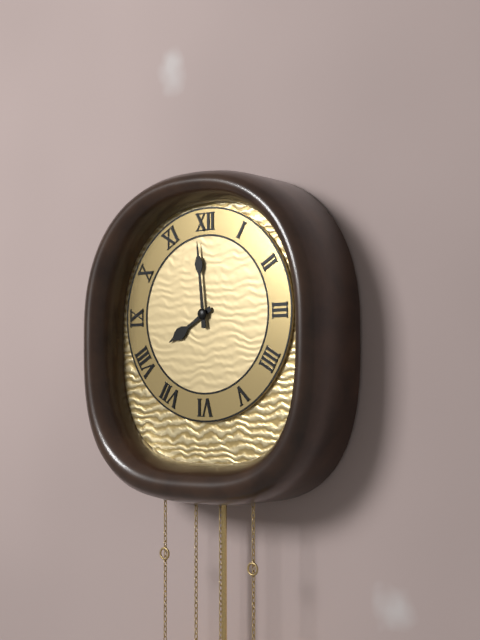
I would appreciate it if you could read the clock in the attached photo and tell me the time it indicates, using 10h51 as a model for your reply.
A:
7h59
